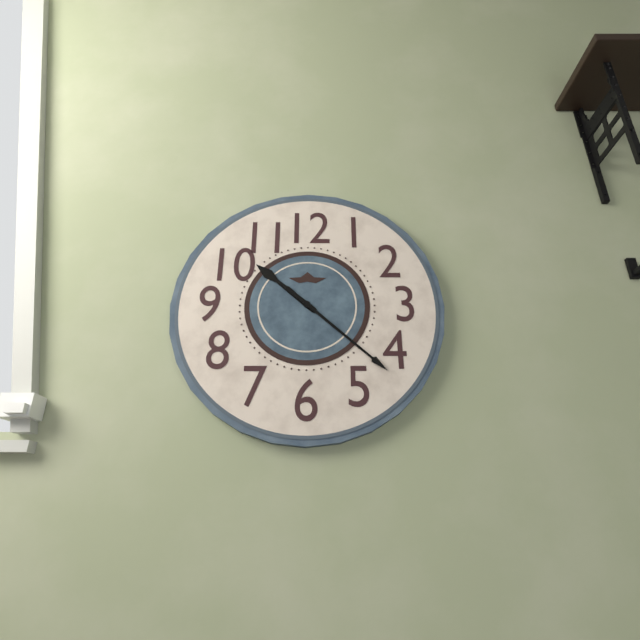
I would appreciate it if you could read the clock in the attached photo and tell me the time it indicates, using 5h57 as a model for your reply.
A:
10h22
